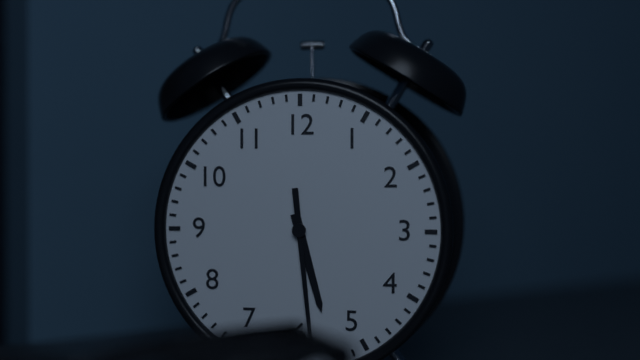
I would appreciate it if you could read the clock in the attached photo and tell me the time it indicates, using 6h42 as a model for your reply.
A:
5h29
